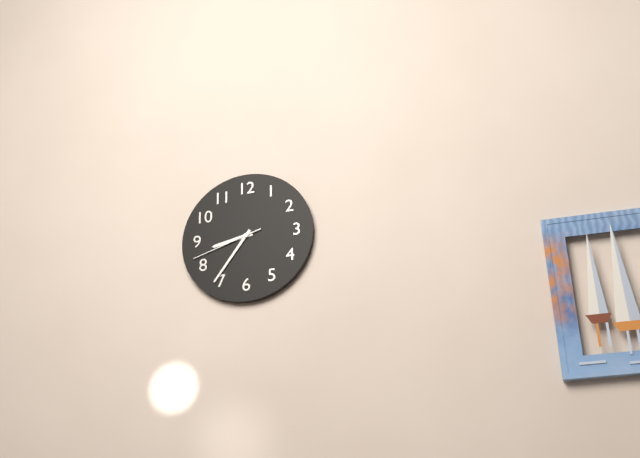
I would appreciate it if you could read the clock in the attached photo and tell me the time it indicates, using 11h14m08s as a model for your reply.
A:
8h36m42s
